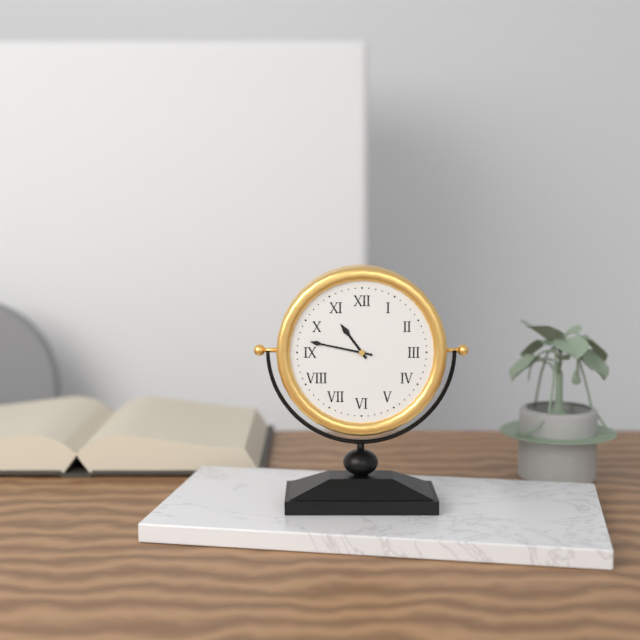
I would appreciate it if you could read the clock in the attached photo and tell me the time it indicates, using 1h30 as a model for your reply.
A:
10h47
